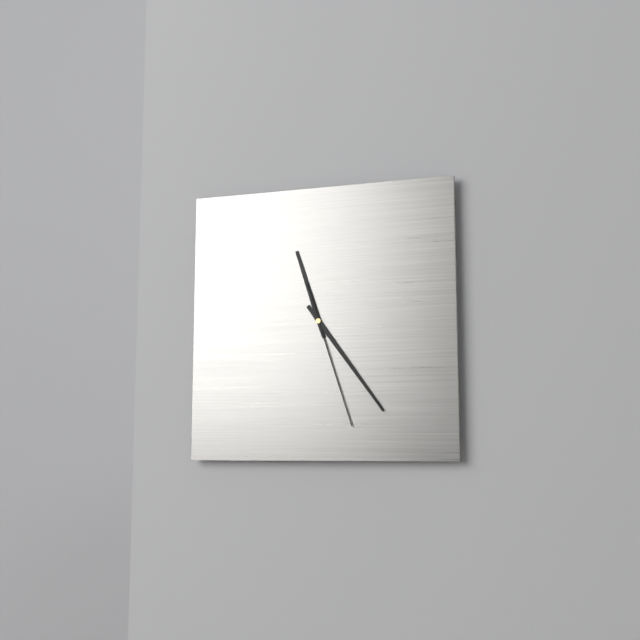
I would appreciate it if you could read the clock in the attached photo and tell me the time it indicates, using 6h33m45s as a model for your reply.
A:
11h24m27s
